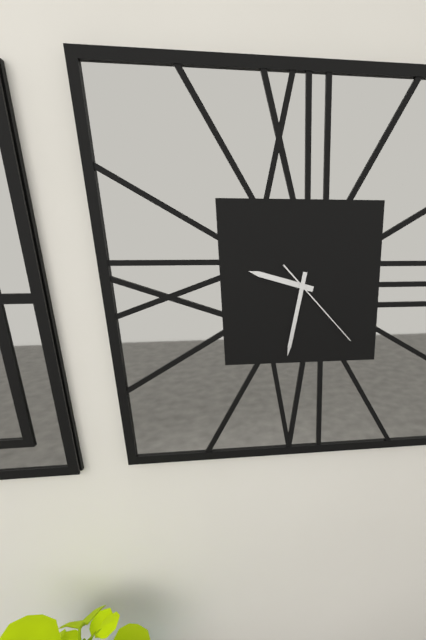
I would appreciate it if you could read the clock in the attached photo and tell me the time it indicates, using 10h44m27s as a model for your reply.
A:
9h32m23s
